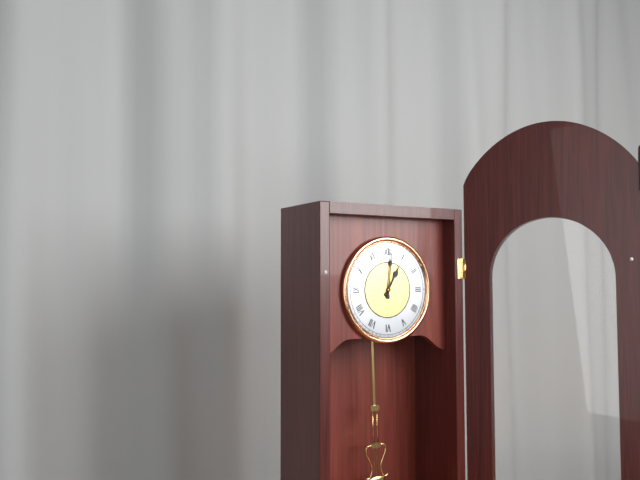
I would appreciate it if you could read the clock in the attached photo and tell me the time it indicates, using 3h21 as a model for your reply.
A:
1h01
